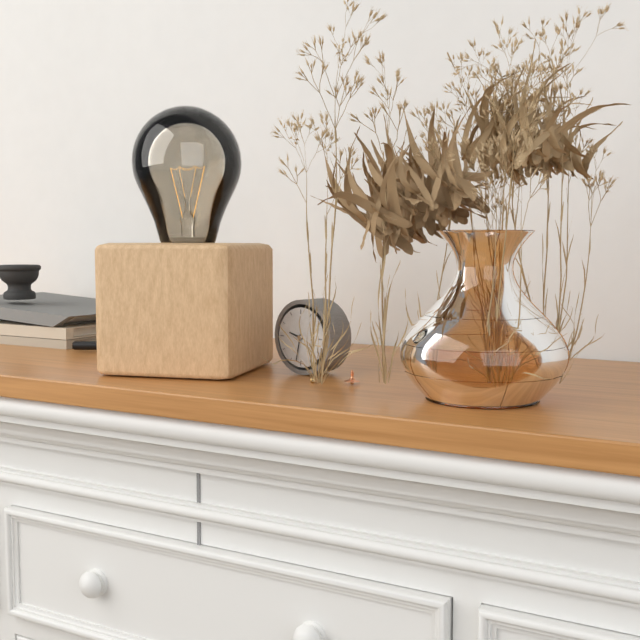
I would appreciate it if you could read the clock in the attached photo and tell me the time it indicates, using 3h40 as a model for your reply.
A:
9h32
